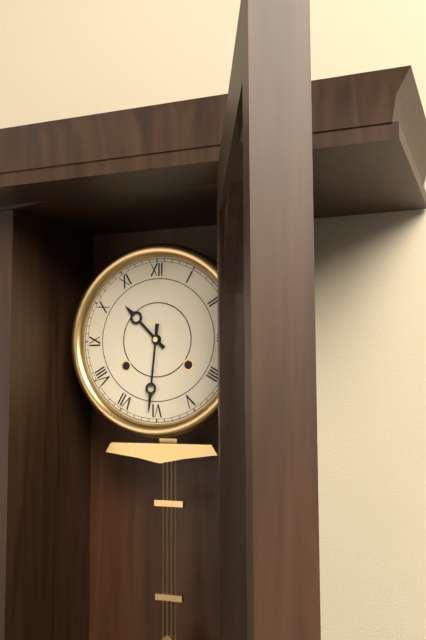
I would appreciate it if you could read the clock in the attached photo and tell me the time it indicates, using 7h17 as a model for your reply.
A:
10h31
